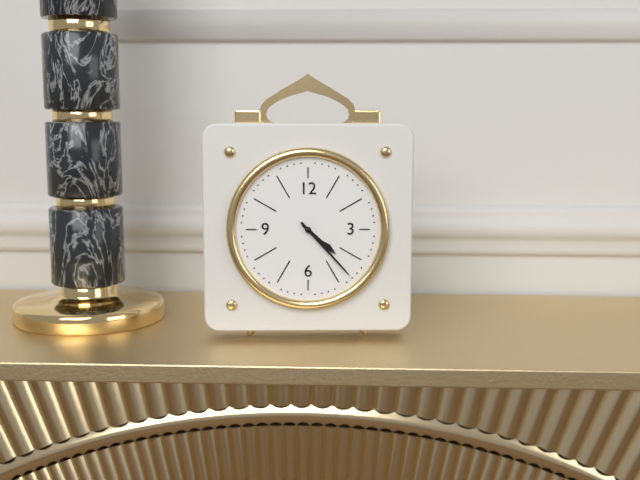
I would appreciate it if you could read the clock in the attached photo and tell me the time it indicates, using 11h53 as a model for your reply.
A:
4h23
